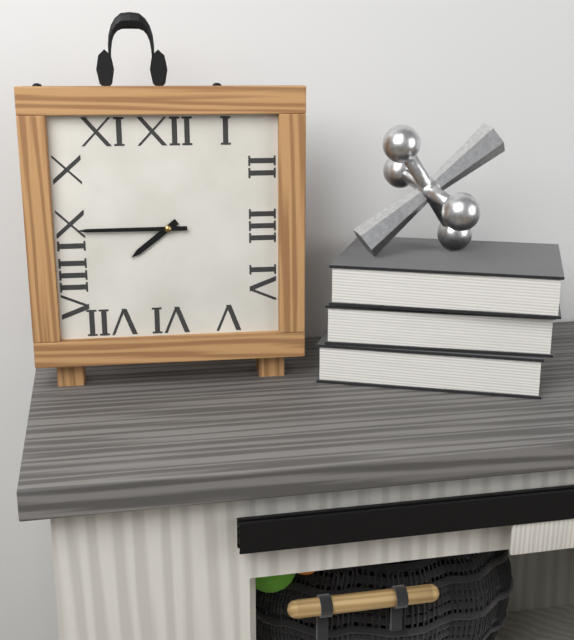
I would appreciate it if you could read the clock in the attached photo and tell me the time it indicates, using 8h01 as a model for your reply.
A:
7h45
